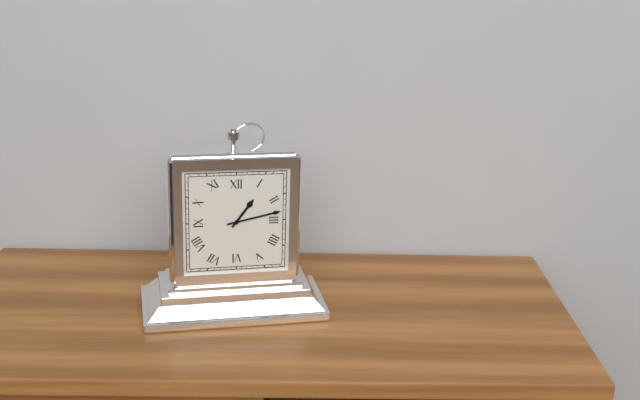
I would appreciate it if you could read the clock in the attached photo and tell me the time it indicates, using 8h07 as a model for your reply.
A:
1h13
